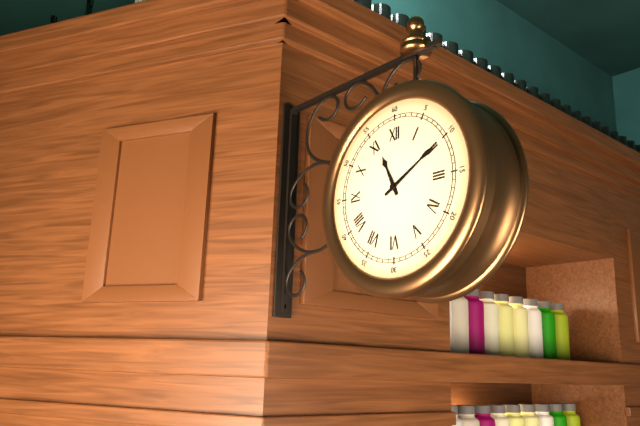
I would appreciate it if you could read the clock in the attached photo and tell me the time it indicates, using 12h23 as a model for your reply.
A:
11h10
